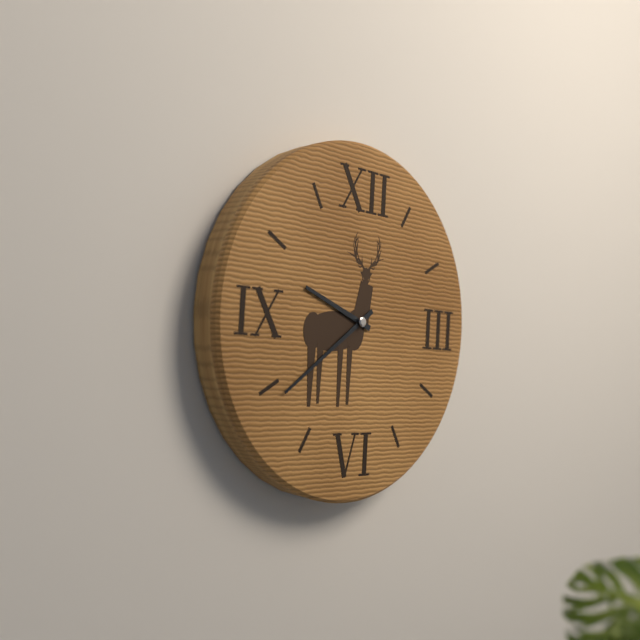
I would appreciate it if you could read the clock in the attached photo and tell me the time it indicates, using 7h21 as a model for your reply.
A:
9h39
